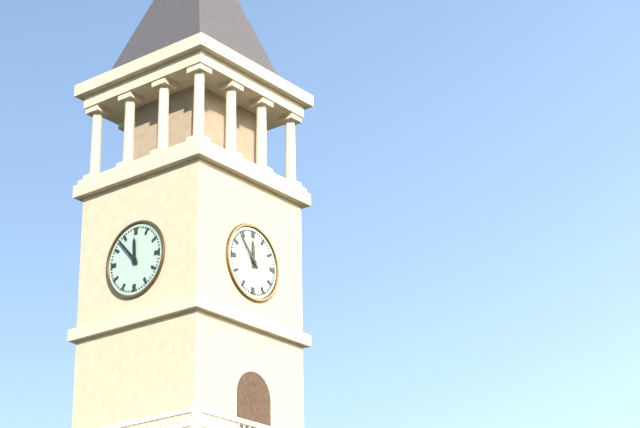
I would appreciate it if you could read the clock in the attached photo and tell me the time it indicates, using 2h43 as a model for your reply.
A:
11h53
